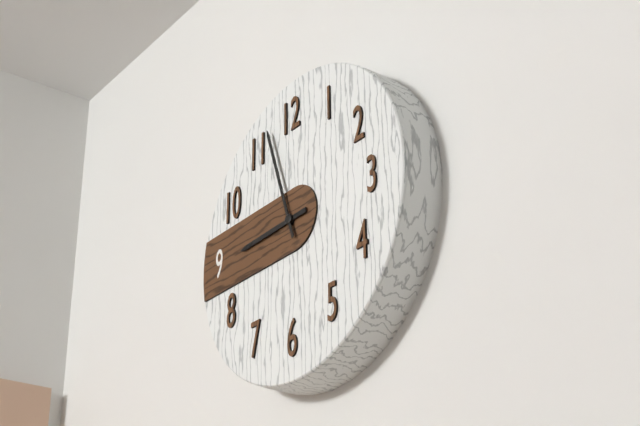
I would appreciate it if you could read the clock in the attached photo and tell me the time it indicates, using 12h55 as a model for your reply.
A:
8h57
